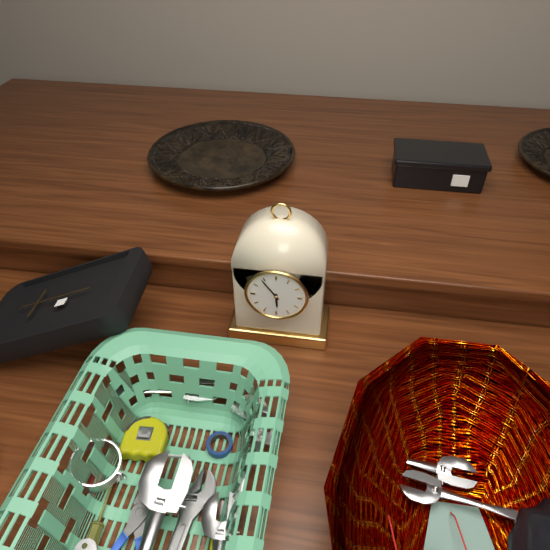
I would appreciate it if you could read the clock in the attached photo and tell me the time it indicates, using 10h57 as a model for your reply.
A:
5h54
